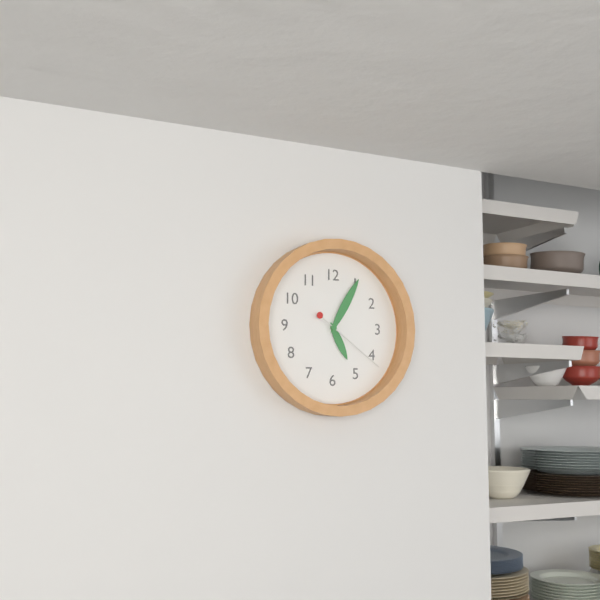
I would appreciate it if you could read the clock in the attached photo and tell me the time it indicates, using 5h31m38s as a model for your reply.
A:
5h05m21s
